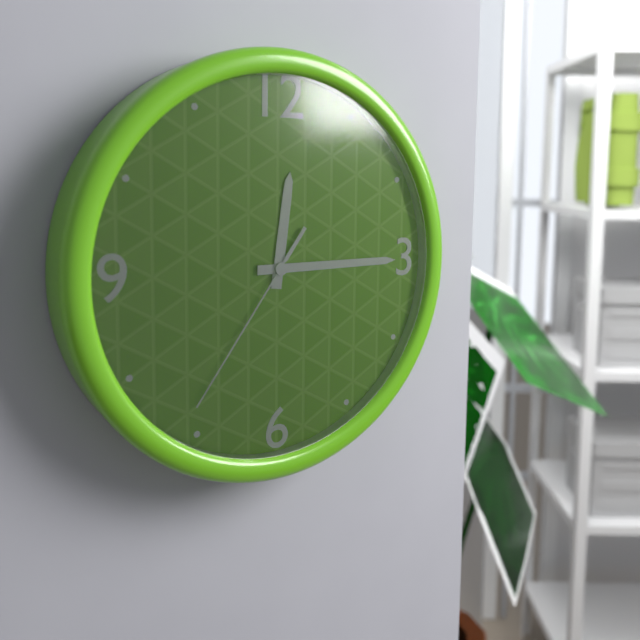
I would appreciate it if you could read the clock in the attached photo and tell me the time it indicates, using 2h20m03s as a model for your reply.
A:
12h15m36s
